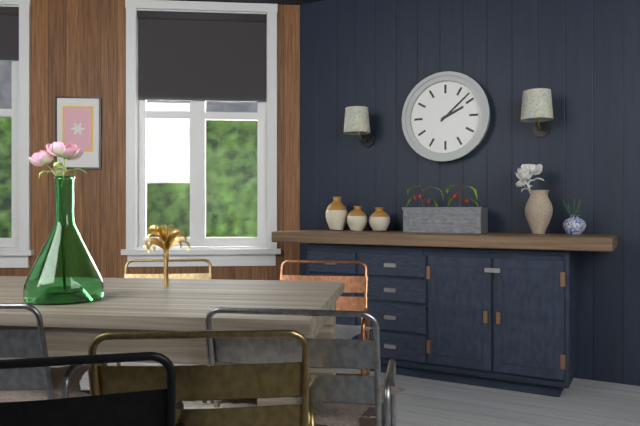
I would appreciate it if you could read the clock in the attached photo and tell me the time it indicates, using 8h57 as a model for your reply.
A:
2h08
